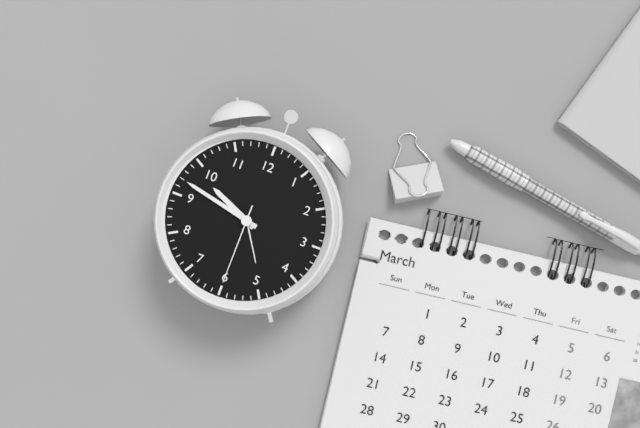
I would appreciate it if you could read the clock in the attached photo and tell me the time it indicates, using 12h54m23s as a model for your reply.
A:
9h47m30s
